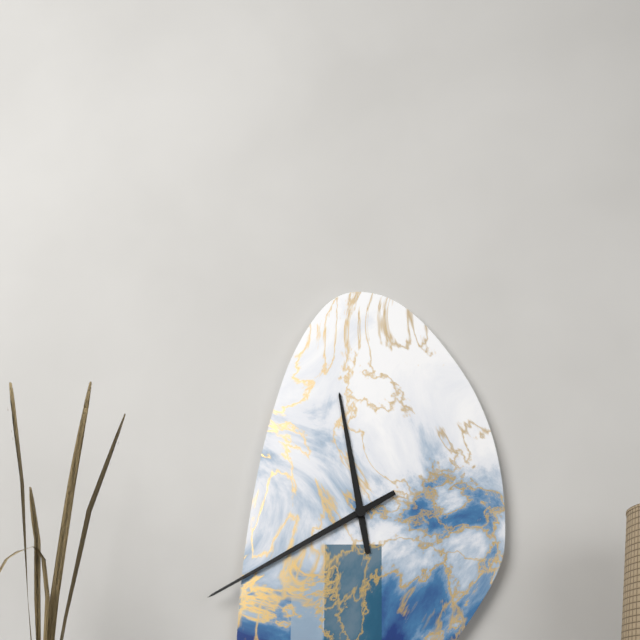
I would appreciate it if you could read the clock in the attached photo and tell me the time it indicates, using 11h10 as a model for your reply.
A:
11h40
